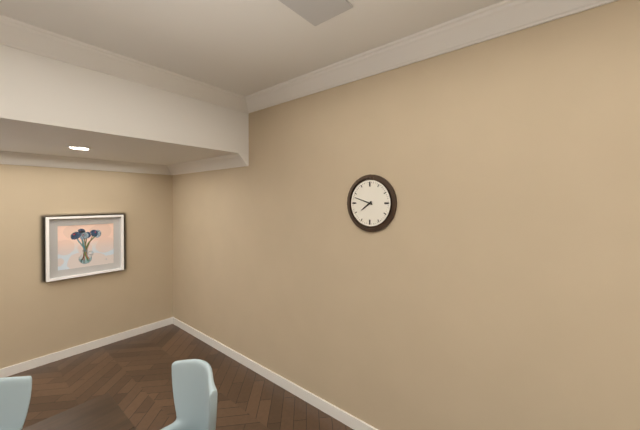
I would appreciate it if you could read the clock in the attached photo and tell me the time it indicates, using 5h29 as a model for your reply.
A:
7h48
